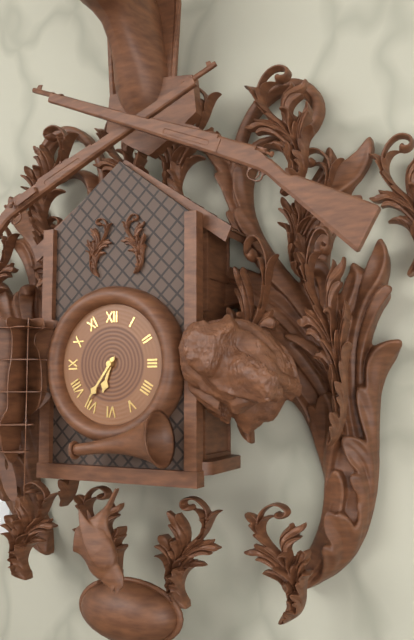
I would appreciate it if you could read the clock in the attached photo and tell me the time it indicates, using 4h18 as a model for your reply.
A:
6h36
